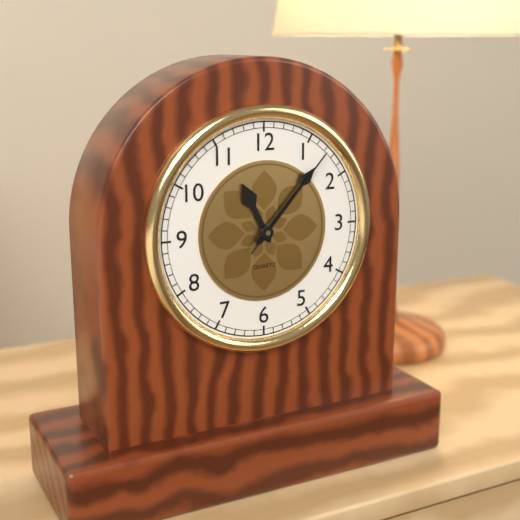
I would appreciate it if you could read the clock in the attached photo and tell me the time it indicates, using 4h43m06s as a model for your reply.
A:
11h07m07s
